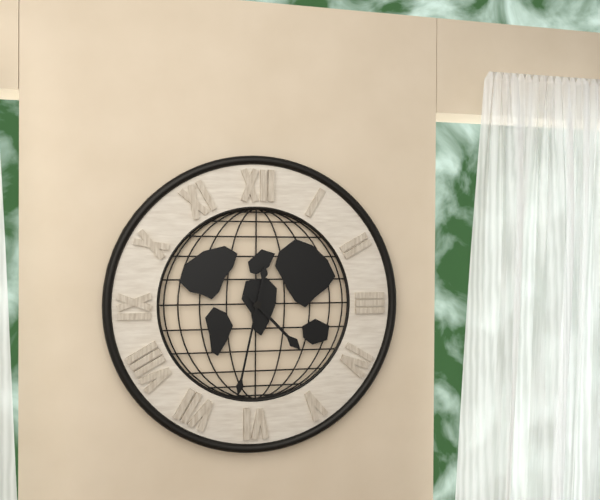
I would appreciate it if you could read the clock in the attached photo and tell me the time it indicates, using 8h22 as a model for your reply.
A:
4h32
